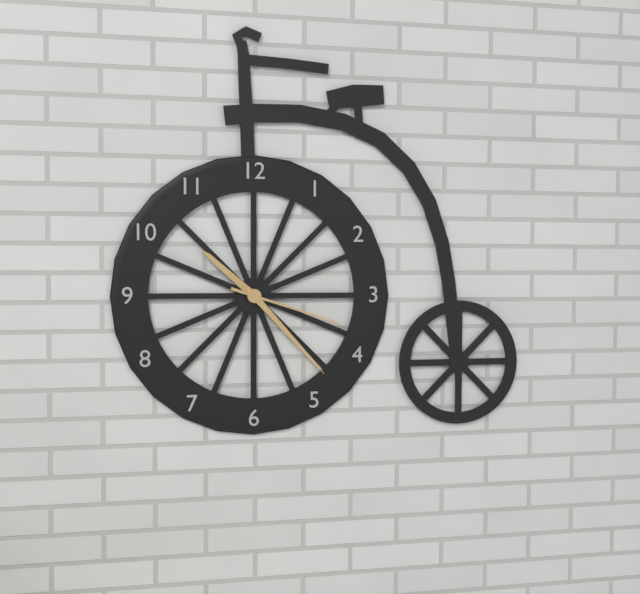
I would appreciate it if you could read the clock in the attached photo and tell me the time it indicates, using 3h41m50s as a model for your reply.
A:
10h23m18s
